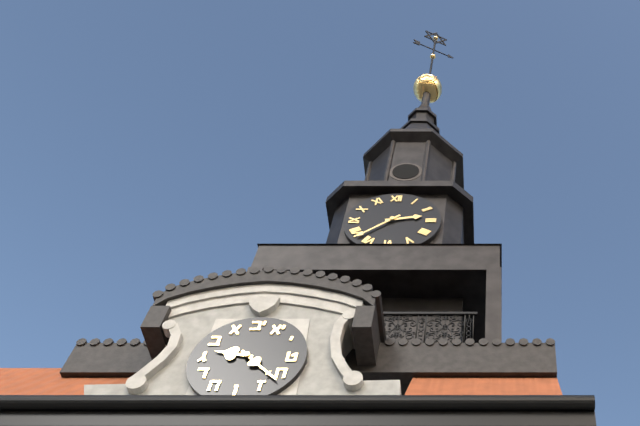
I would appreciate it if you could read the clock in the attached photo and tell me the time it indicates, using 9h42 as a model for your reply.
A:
2h38
